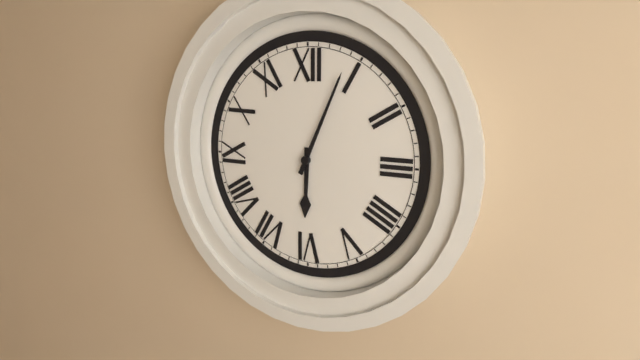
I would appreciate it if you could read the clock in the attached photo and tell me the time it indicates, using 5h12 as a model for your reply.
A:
6h04
